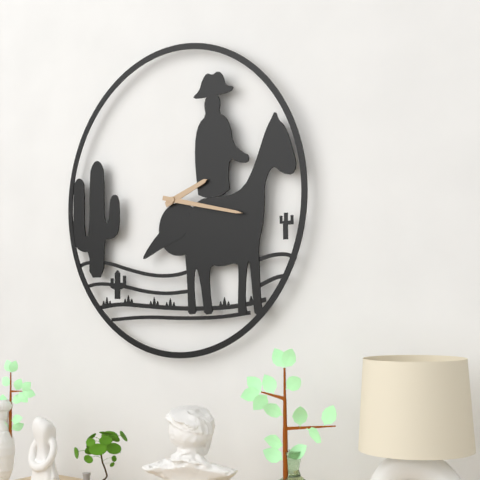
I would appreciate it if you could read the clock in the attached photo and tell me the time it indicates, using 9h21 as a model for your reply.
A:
2h17
